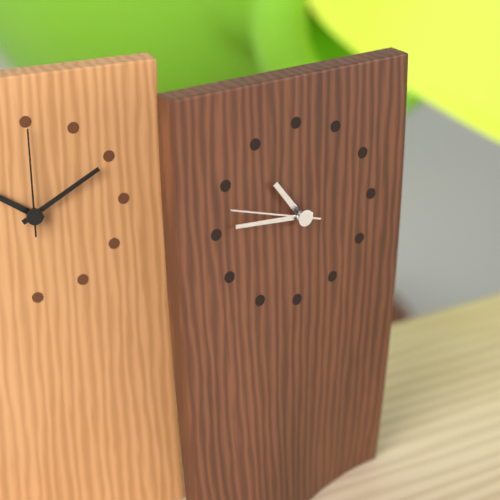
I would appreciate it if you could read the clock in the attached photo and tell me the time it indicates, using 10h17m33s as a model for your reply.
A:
10h46m48s
